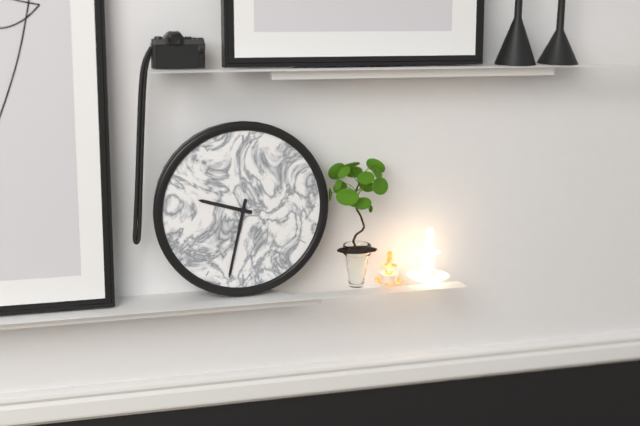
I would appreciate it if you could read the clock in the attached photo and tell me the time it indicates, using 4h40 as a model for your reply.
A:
9h32
